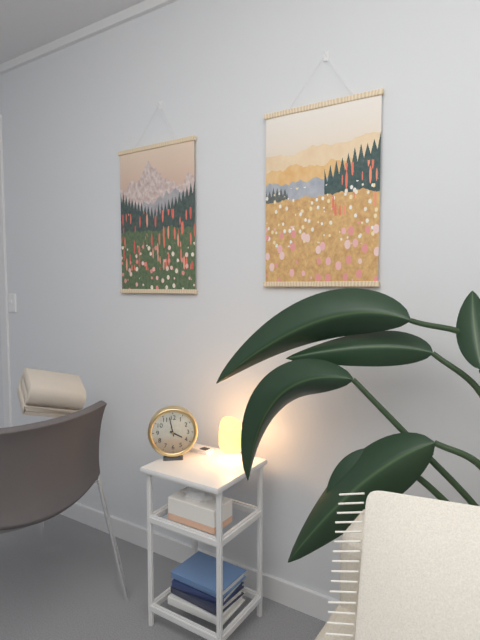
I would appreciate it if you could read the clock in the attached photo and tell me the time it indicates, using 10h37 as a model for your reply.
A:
3h58
